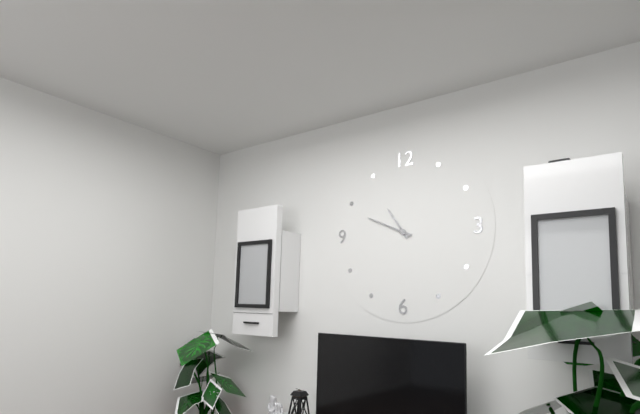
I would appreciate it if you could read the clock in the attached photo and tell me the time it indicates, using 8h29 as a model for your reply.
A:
10h49
